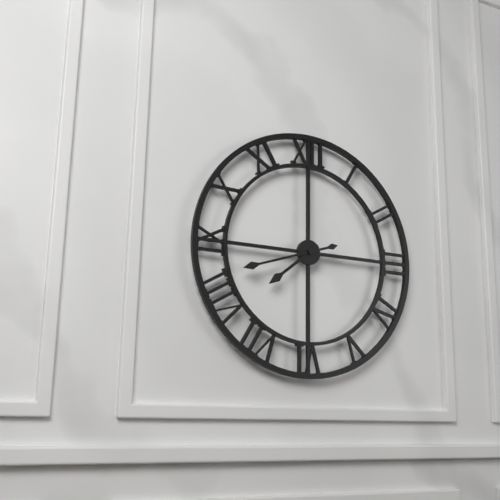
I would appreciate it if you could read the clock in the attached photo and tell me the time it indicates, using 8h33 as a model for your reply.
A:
7h42
